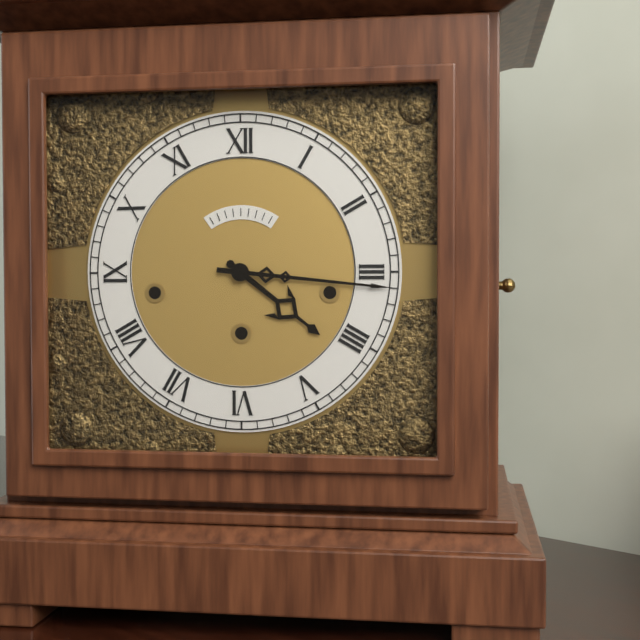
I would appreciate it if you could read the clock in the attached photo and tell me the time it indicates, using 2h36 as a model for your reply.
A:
4h16
